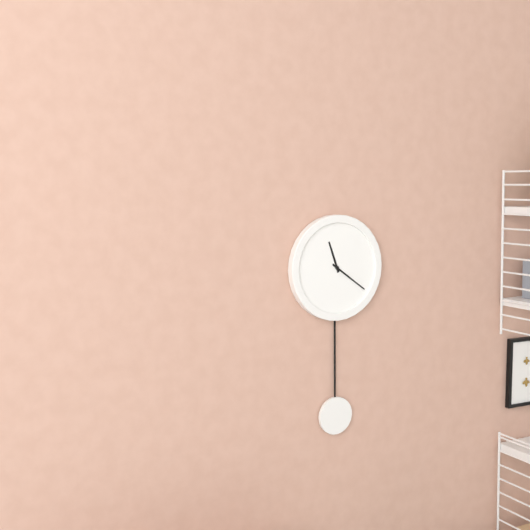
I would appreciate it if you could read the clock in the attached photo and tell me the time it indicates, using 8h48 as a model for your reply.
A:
11h21
